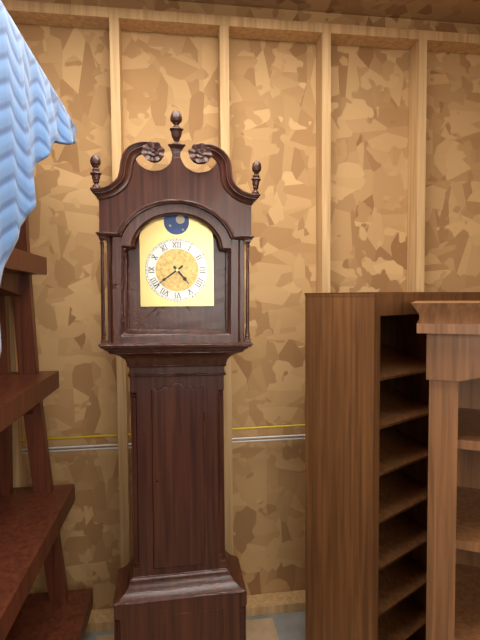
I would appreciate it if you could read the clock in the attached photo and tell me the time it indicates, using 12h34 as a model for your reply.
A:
4h39
